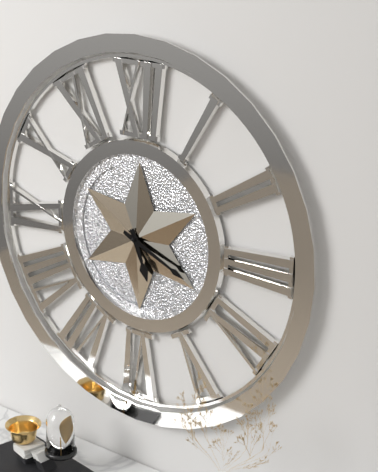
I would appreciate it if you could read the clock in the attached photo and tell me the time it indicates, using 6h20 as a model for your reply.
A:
5h19
